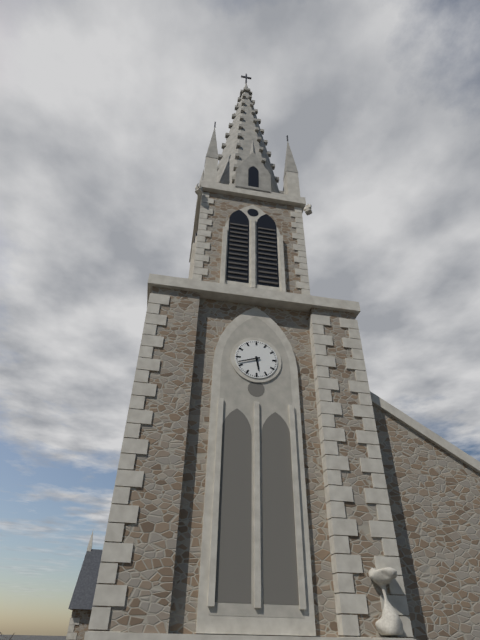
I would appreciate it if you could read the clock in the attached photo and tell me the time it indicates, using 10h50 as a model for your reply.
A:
5h42
